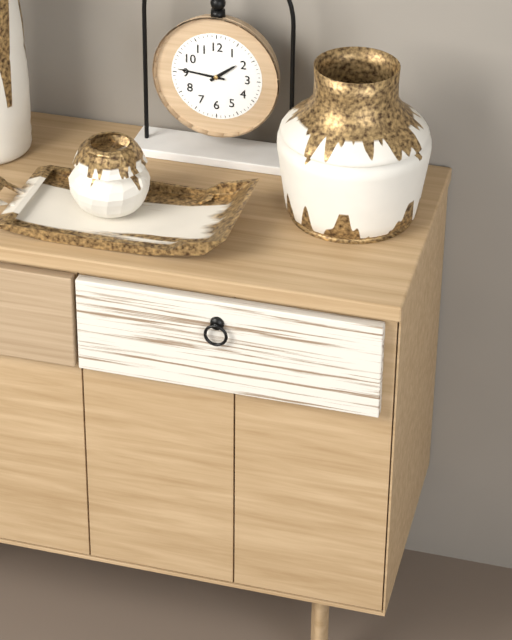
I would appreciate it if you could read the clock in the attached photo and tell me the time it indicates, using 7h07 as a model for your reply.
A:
1h46
